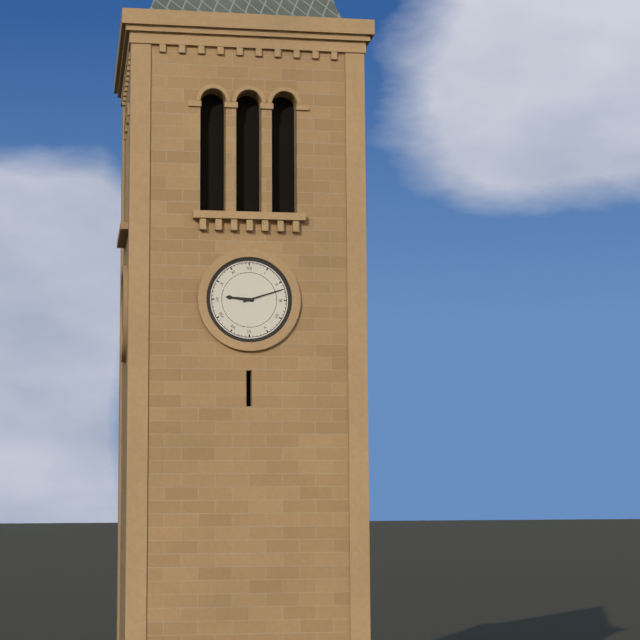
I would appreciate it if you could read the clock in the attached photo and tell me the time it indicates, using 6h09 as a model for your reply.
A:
9h12
